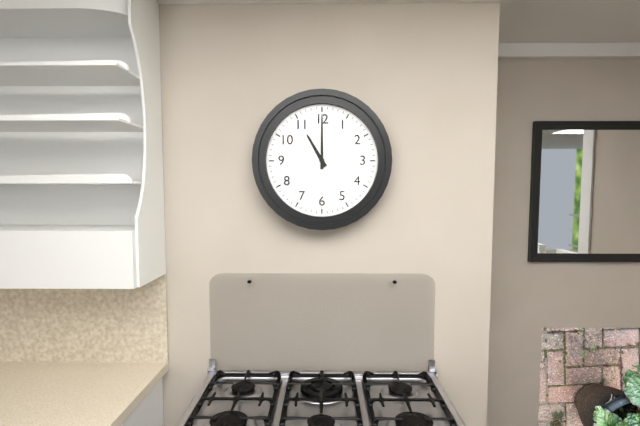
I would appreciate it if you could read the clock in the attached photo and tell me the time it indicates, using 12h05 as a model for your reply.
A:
11h00
